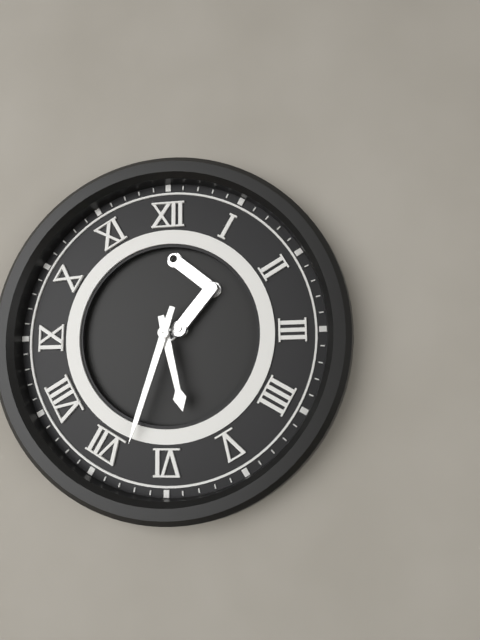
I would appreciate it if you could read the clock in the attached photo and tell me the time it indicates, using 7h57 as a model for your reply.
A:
5h33
